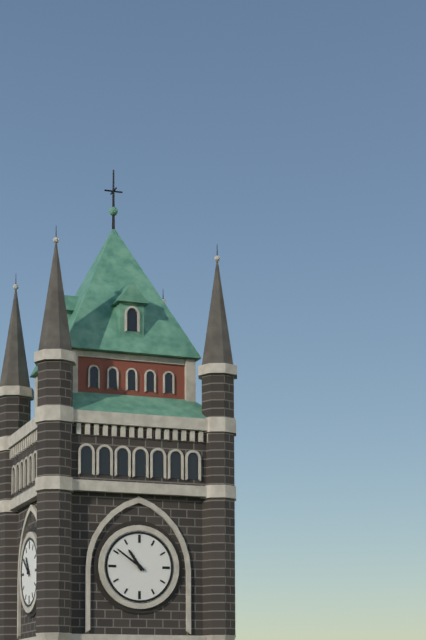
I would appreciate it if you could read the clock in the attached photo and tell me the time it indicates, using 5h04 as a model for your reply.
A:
10h51
